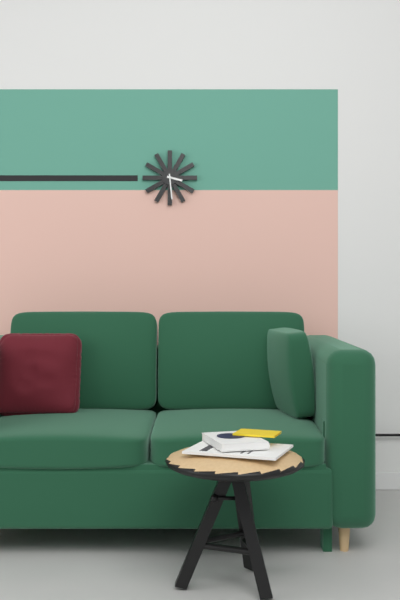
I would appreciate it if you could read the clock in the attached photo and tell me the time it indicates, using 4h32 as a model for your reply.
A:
3h29
